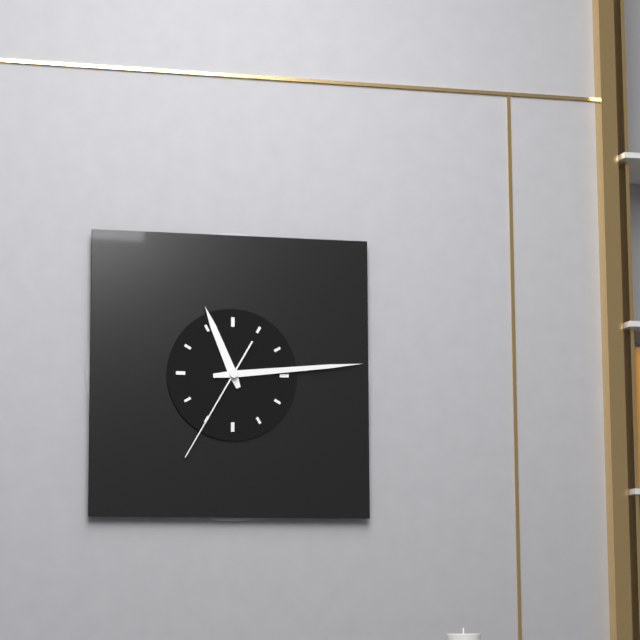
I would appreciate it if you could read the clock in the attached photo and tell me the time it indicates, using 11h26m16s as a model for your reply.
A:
11h14m35s
